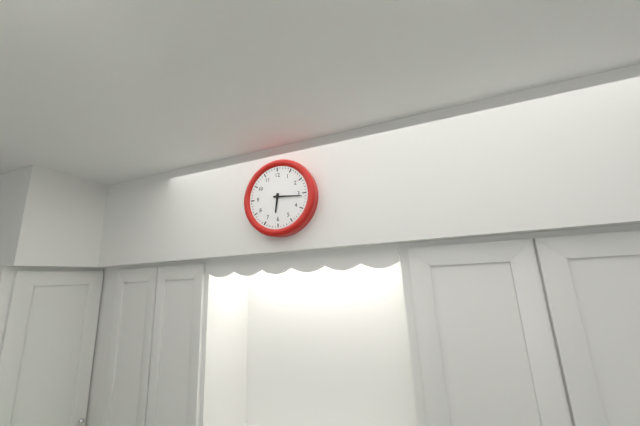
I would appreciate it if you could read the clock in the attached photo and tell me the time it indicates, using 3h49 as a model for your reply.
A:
6h16
